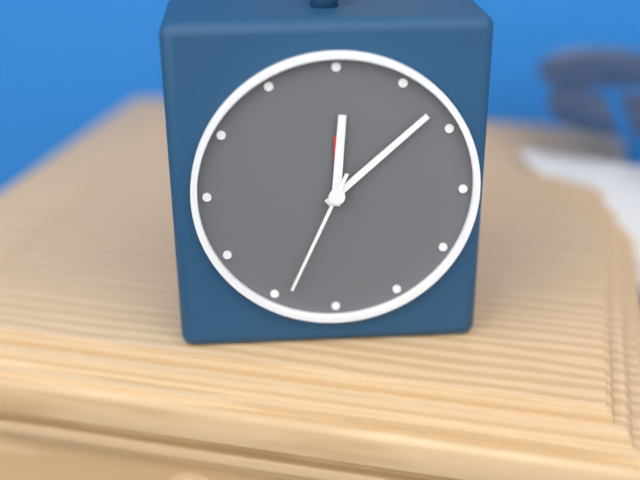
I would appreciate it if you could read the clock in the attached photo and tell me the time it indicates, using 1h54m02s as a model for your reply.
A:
12h08m34s
